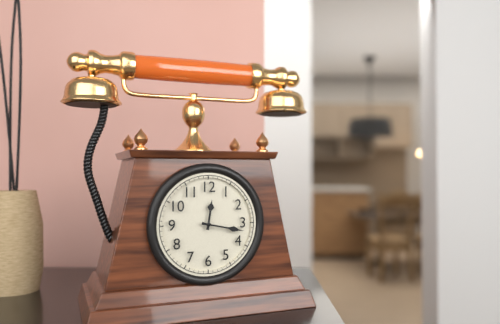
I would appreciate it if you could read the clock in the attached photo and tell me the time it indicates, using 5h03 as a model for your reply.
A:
12h17
